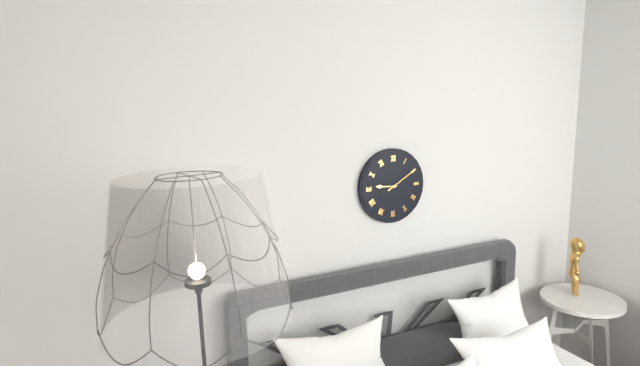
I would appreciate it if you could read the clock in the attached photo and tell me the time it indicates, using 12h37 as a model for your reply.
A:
9h10
